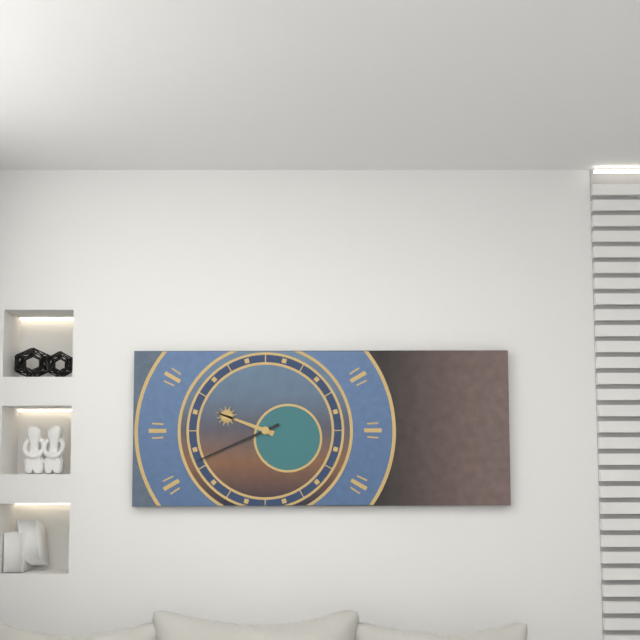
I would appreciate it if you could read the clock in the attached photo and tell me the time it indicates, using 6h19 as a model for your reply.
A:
9h41
